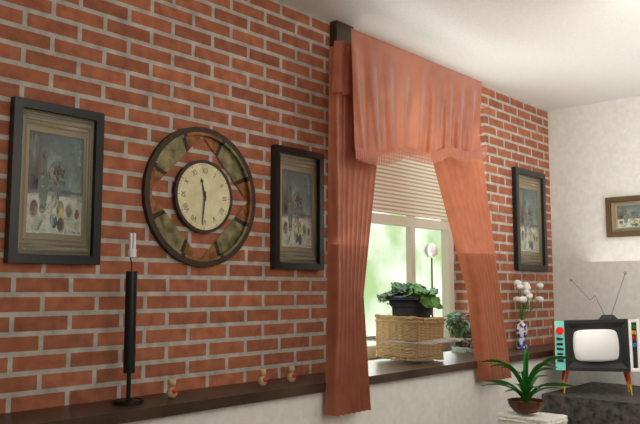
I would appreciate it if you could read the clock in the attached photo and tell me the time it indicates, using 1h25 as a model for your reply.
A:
11h31
